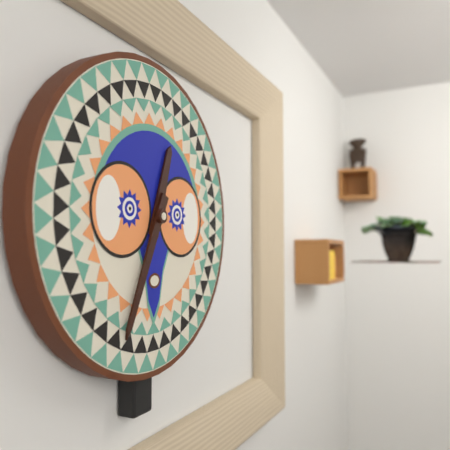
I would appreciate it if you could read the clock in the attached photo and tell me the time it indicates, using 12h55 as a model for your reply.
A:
12h34
